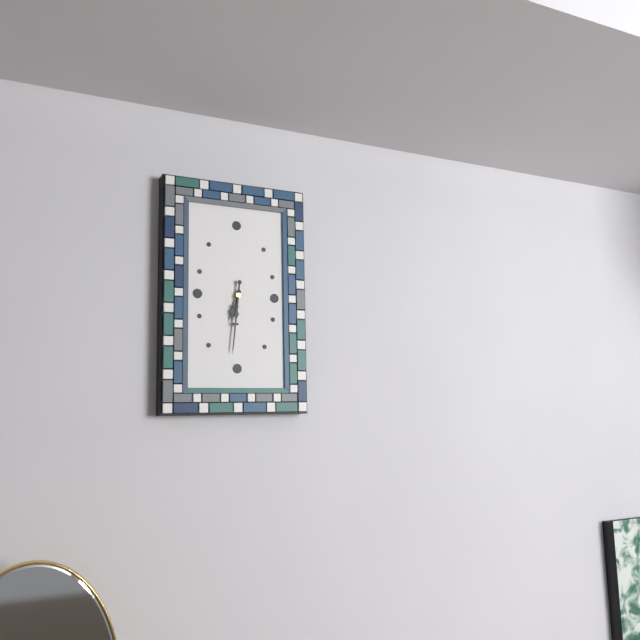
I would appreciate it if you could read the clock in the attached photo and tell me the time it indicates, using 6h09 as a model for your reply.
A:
6h31
